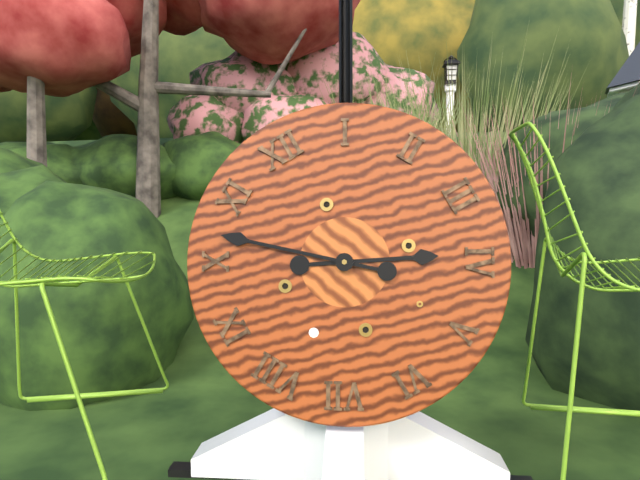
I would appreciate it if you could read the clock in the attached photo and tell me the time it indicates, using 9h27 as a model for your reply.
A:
3h52
